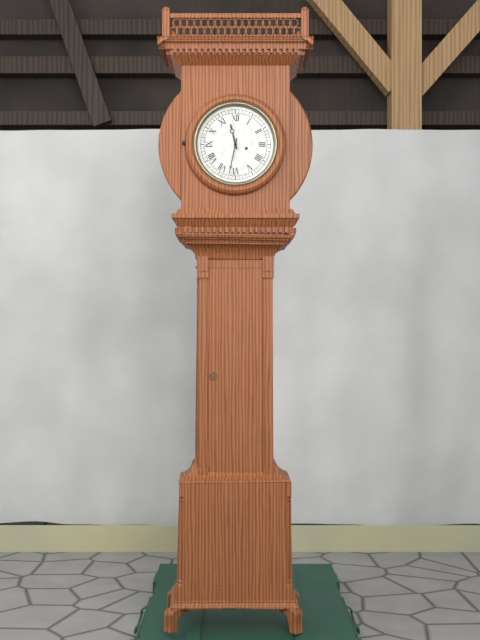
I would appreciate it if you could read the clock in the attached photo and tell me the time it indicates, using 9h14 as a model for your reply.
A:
11h32
